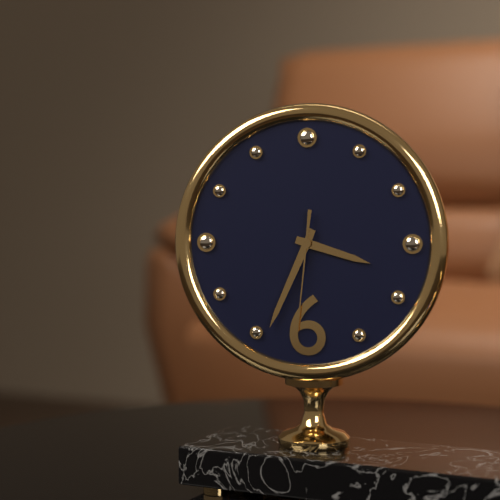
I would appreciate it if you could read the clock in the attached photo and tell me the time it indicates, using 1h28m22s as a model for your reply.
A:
3h34m31s
